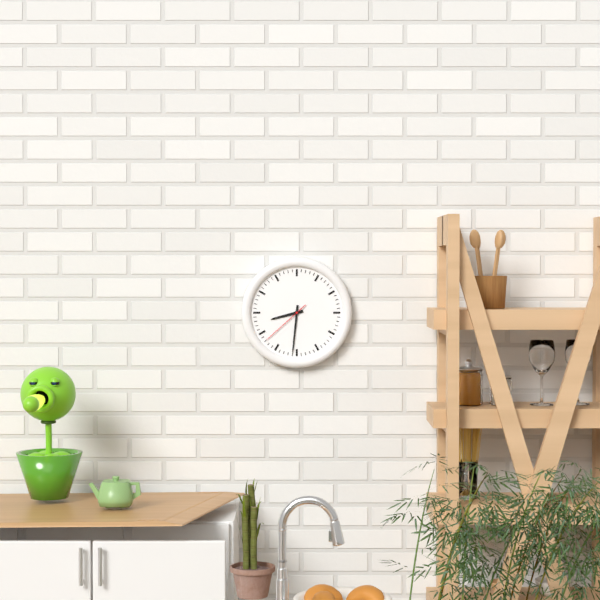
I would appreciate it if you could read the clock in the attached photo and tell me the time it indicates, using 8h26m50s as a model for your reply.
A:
8h31m38s
